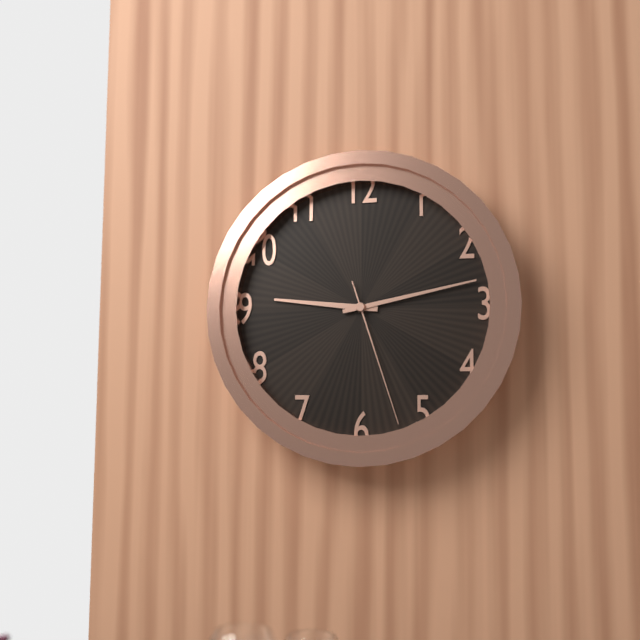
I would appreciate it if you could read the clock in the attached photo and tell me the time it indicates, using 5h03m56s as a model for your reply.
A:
9h13m27s
